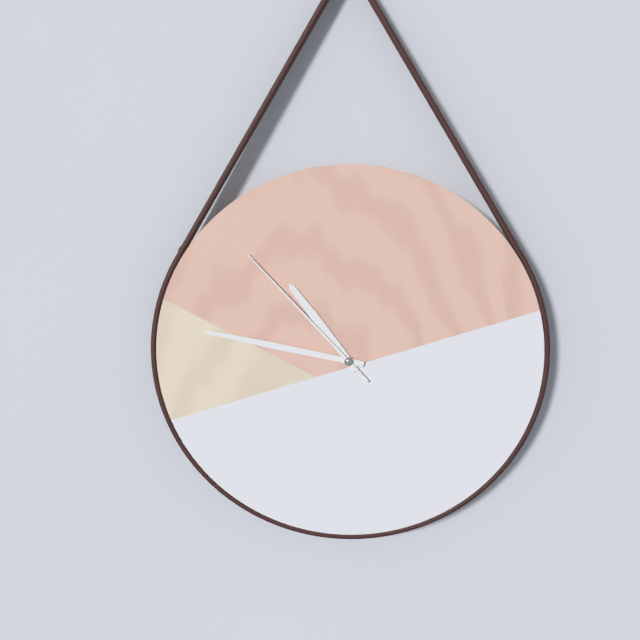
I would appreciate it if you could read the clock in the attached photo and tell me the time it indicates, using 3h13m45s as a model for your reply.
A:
10h47m53s
